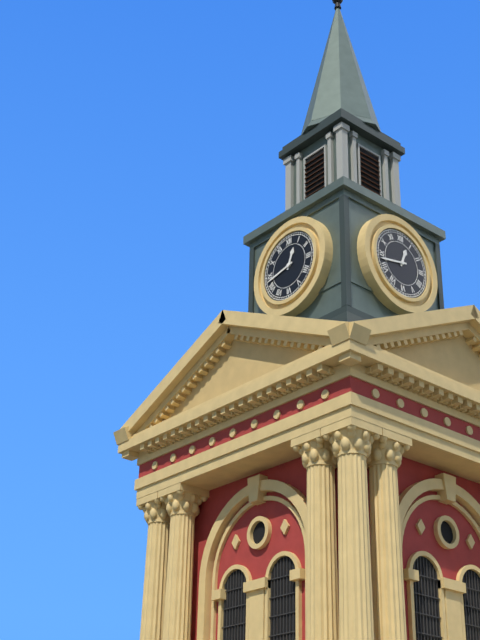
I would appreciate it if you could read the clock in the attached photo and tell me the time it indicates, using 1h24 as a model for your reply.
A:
12h43
